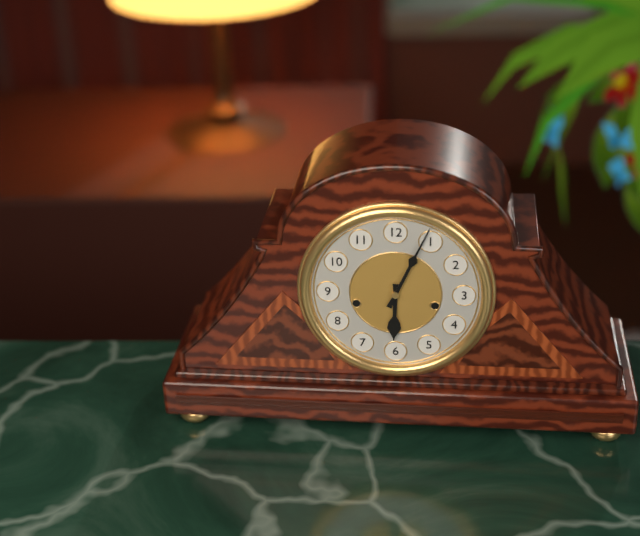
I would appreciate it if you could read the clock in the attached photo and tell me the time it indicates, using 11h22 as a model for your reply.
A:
6h04
